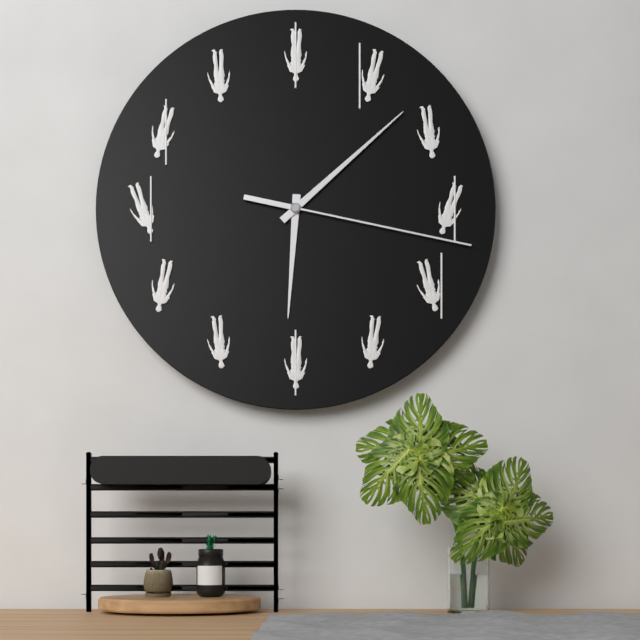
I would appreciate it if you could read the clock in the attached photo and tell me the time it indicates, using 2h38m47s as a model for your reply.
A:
6h08m17s
